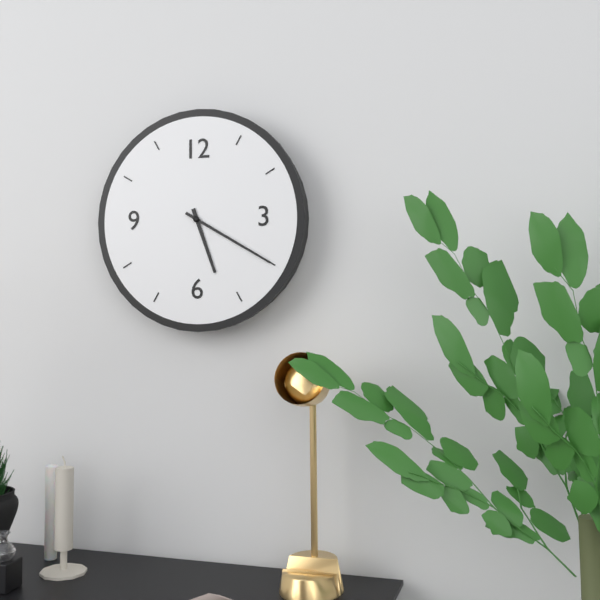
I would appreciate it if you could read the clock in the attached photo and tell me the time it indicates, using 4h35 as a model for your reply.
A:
5h20
